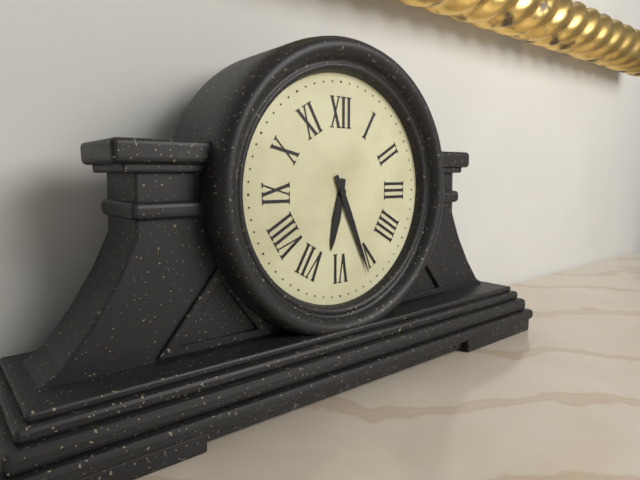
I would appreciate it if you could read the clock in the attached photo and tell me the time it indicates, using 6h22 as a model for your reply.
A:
6h26
